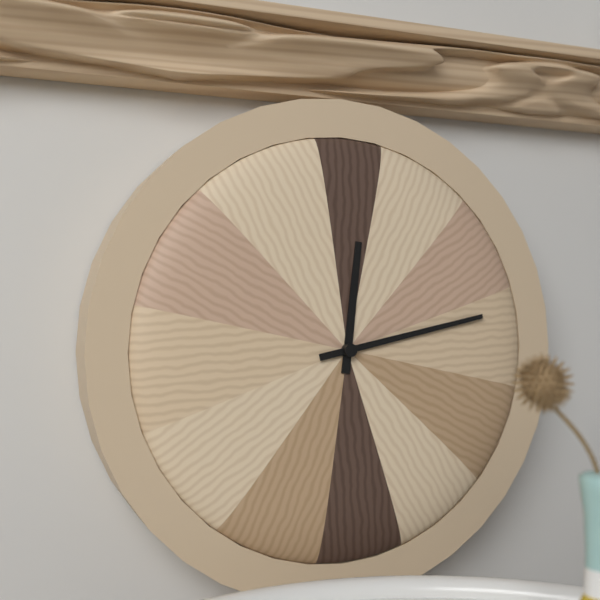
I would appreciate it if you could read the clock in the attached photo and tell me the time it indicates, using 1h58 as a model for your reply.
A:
12h13
